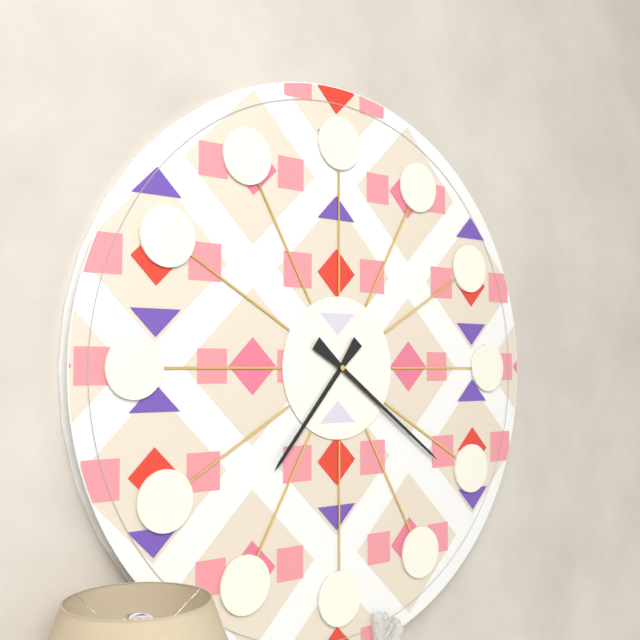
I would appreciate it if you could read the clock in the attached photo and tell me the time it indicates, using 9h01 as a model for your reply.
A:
7h21
